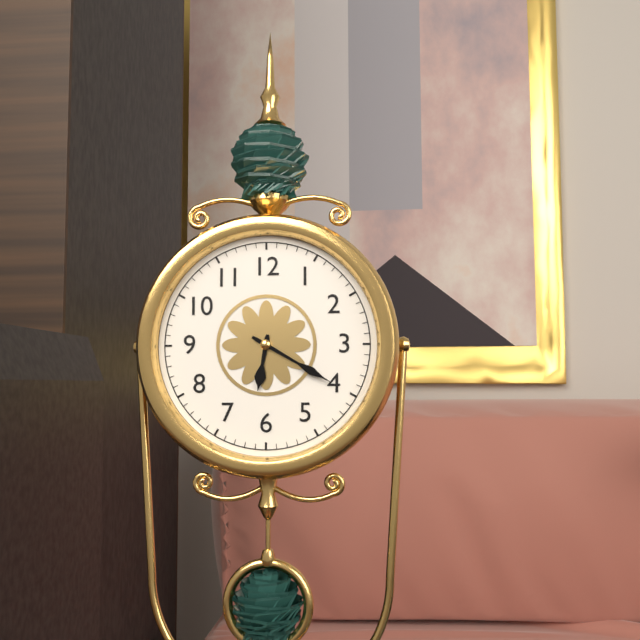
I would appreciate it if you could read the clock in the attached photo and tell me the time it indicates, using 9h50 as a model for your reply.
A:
6h20
